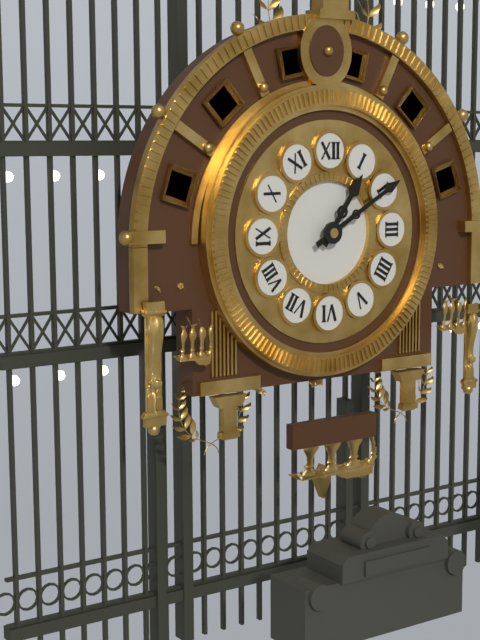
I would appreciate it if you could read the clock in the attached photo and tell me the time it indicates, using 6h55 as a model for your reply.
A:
1h10
